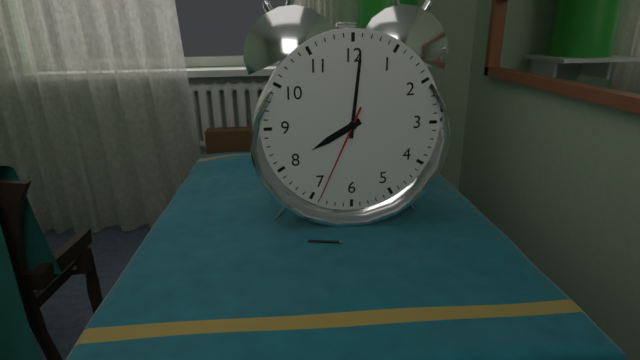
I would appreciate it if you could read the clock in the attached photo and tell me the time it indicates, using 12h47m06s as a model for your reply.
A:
8h01m34s
